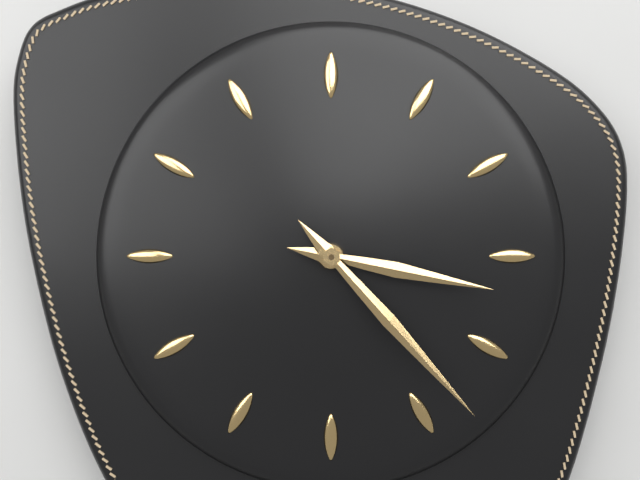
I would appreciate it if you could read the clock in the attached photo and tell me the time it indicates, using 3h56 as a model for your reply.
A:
3h23
